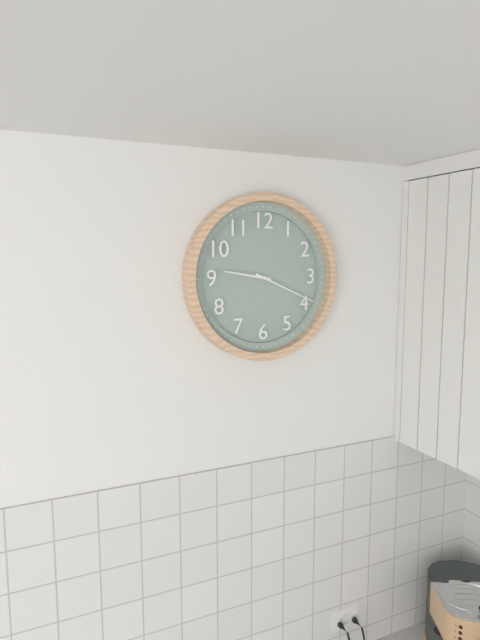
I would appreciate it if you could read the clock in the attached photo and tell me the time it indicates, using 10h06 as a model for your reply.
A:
9h19
